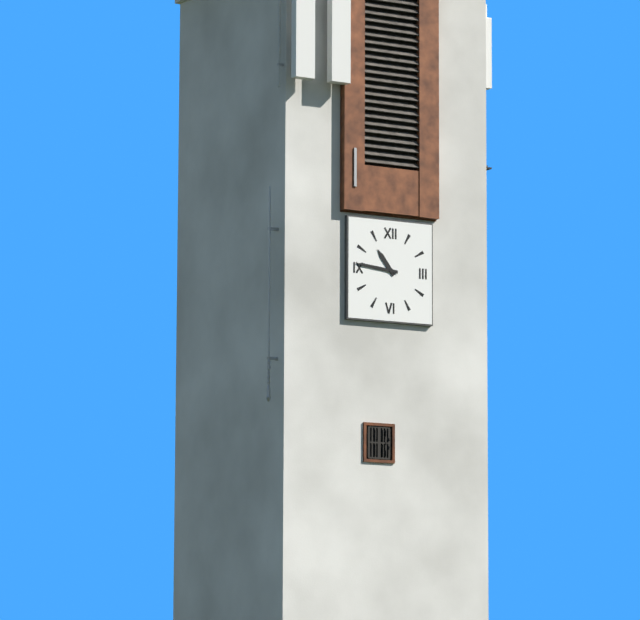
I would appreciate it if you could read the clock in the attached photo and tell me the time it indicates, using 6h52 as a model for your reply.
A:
10h46
